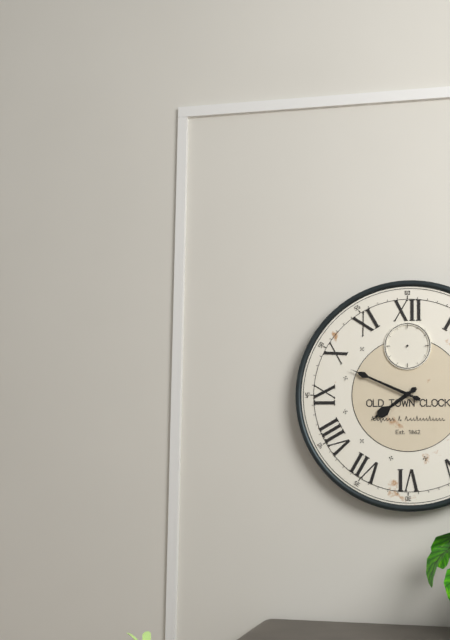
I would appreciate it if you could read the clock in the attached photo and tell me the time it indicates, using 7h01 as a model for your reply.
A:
7h49
